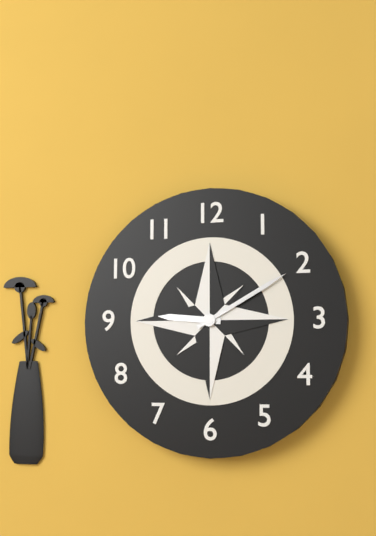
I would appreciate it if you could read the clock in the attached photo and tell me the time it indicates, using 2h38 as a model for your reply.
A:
9h10
